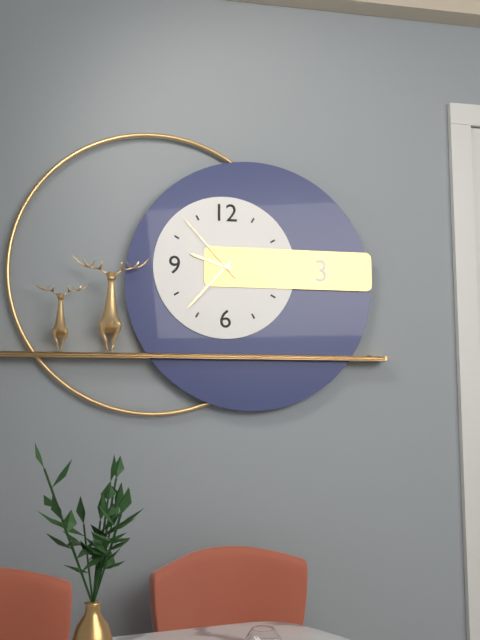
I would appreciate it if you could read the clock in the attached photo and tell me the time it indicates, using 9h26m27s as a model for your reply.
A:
9h37m53s
